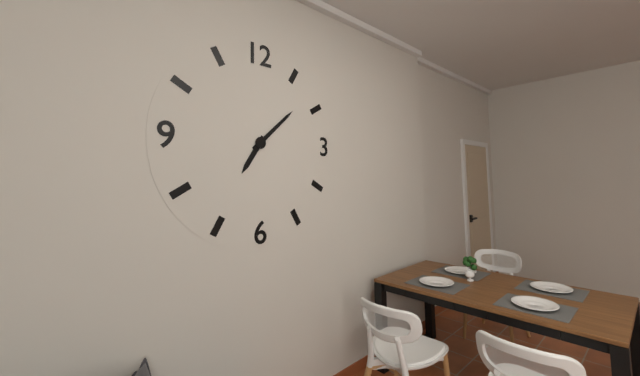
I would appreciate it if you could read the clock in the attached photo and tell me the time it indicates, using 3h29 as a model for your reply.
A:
7h08
